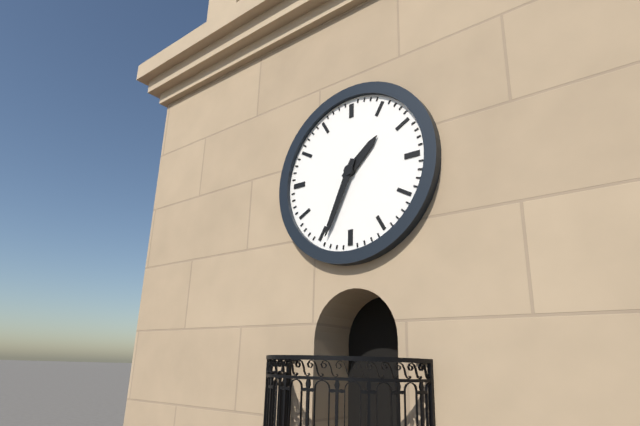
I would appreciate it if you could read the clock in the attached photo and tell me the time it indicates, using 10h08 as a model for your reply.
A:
1h34
